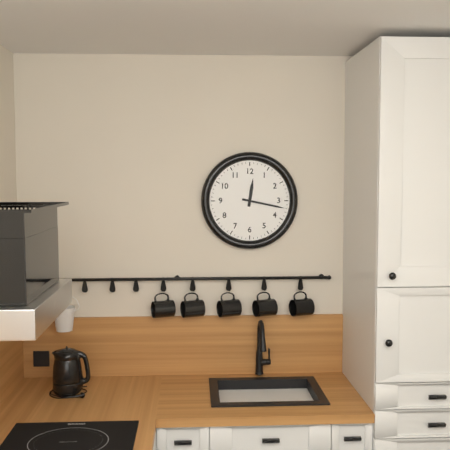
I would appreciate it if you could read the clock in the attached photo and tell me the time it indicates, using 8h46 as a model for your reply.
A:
12h17
